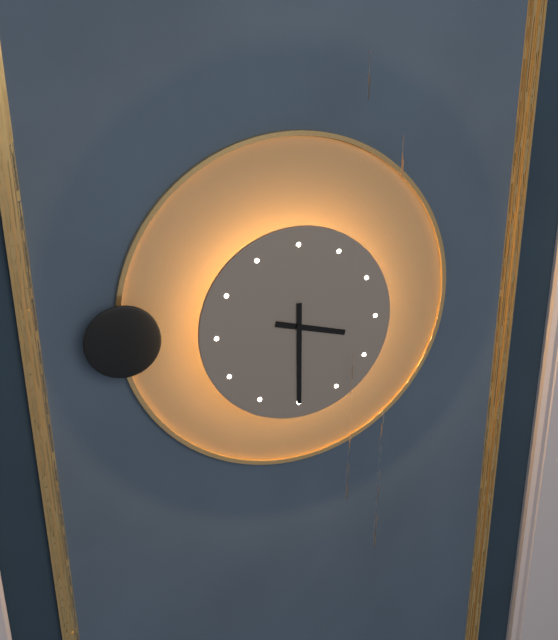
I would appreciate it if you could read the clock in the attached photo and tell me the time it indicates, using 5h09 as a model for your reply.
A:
3h30
